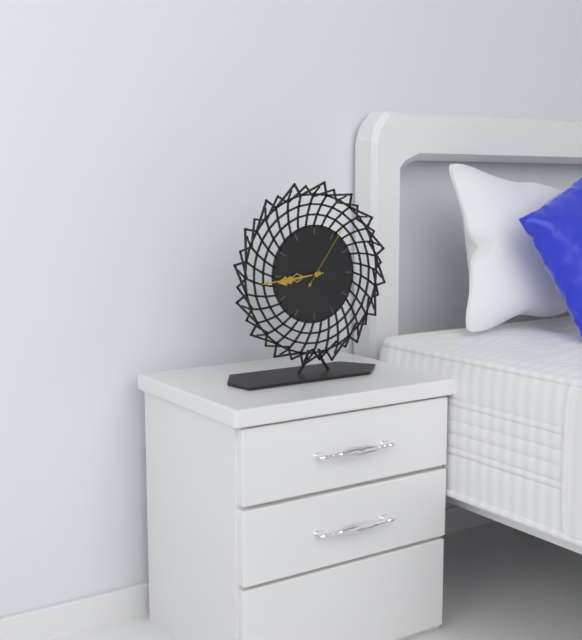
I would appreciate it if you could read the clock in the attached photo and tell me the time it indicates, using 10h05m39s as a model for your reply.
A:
8h44m06s
